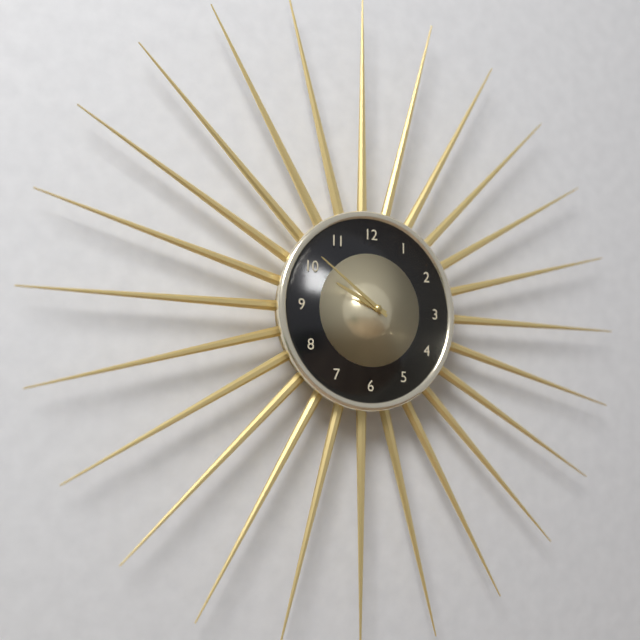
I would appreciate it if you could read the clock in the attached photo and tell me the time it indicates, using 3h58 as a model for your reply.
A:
9h51
